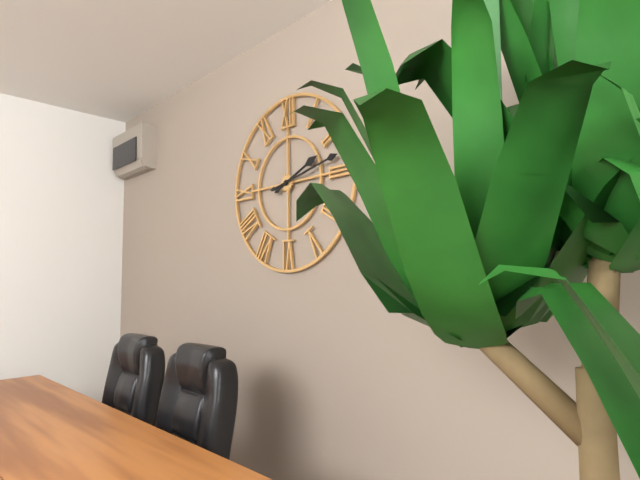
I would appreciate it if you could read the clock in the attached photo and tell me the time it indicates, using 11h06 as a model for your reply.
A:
2h13
